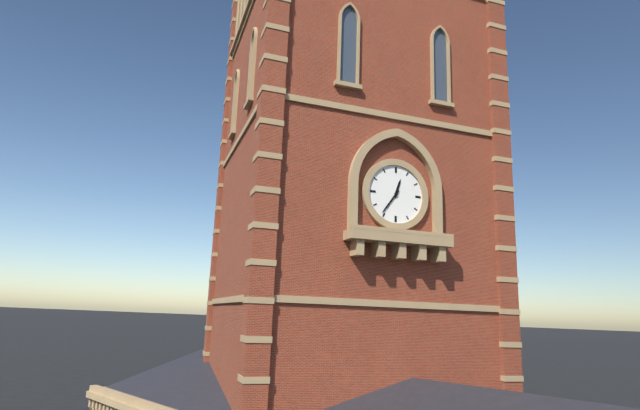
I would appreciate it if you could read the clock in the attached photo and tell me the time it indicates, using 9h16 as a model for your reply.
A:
12h36
